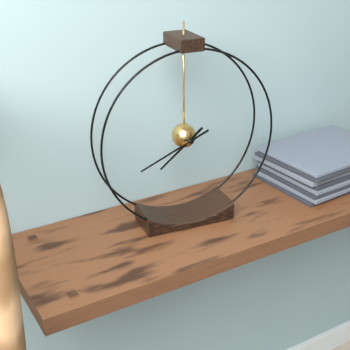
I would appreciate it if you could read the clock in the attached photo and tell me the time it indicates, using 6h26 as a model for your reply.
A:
7h41
